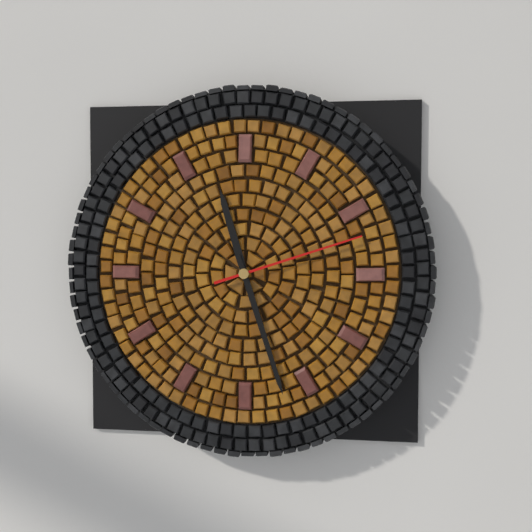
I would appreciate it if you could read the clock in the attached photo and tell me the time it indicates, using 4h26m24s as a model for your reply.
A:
11h27m12s
